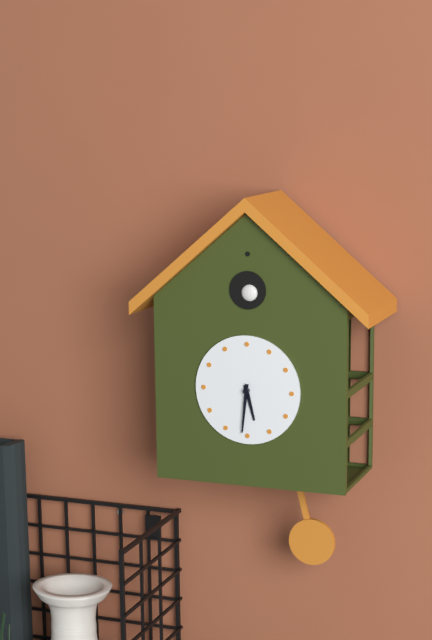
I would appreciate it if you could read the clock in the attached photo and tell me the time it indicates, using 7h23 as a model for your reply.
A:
5h31
